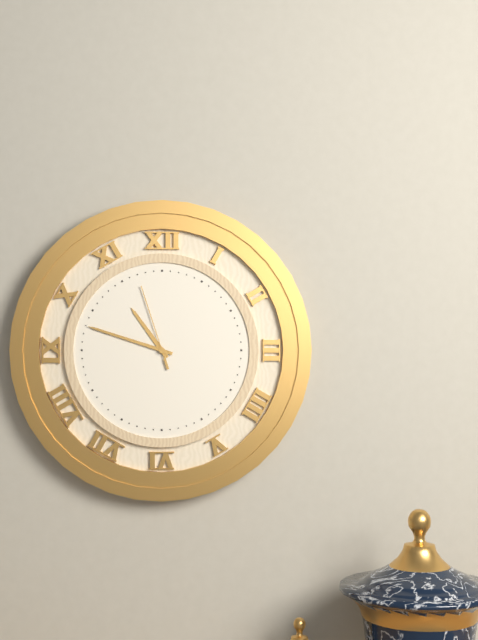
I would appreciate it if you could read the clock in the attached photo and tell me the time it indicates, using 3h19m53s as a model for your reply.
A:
10h48m57s
